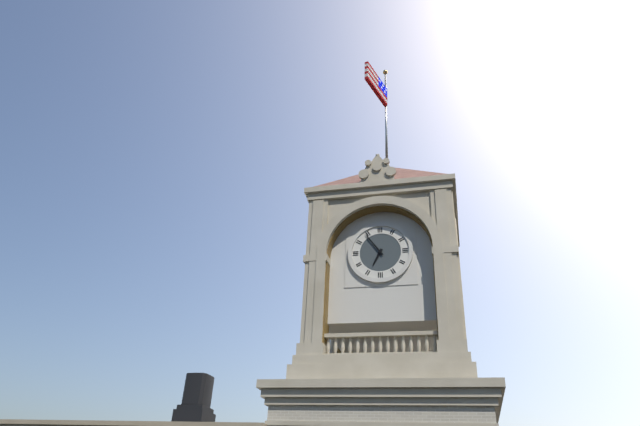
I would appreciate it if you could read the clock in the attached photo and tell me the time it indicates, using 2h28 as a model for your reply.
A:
6h54
